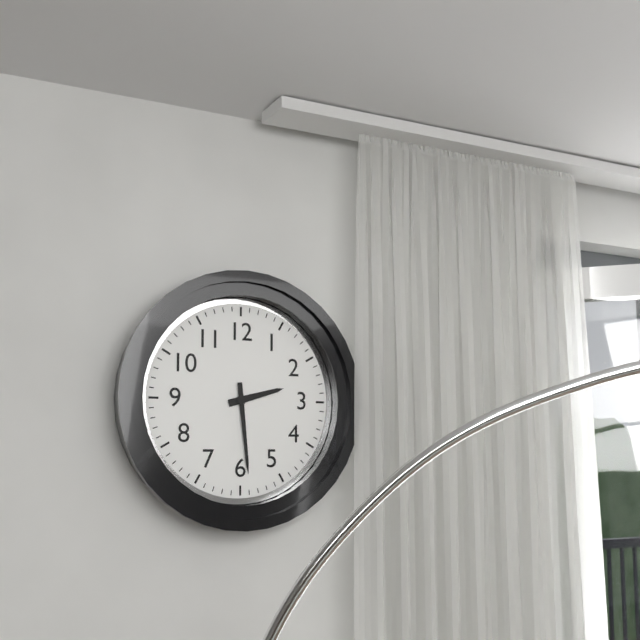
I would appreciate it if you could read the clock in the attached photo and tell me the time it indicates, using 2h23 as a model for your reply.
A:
2h29
